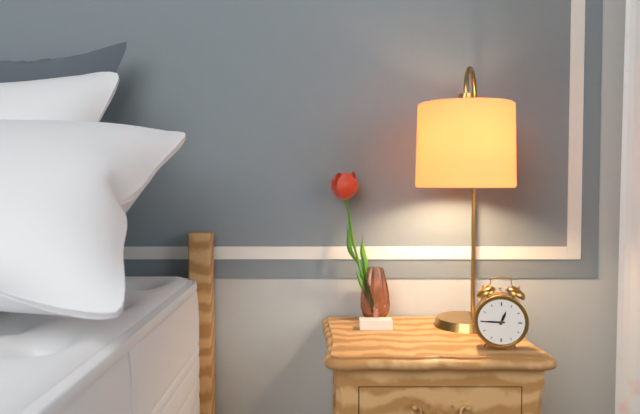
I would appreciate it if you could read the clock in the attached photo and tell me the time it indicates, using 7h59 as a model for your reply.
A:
12h45
